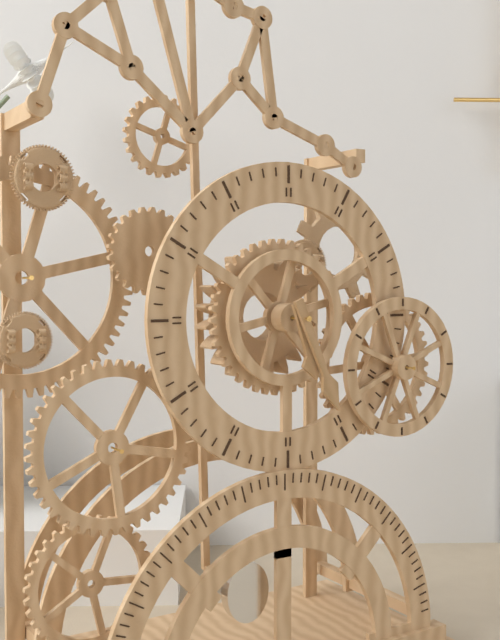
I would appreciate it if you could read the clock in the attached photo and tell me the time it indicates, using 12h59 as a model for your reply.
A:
5h26
